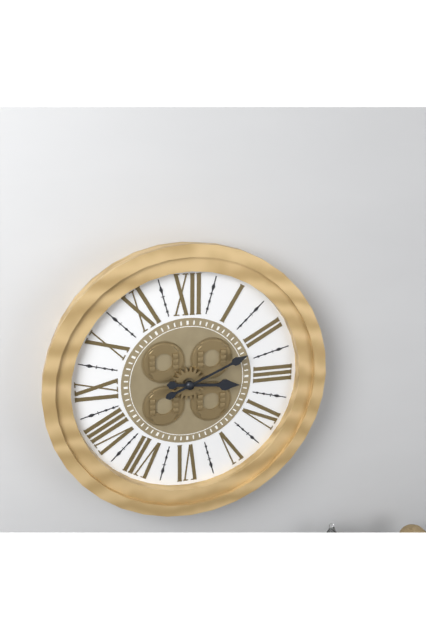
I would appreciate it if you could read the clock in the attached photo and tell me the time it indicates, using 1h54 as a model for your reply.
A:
3h11
